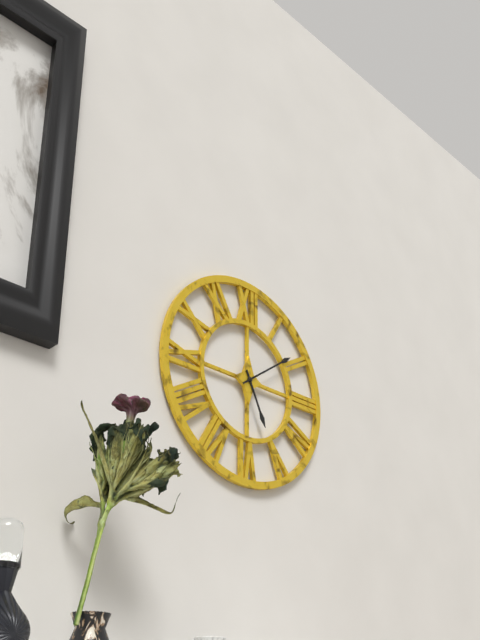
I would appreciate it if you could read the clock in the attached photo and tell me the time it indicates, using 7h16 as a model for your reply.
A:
5h09
